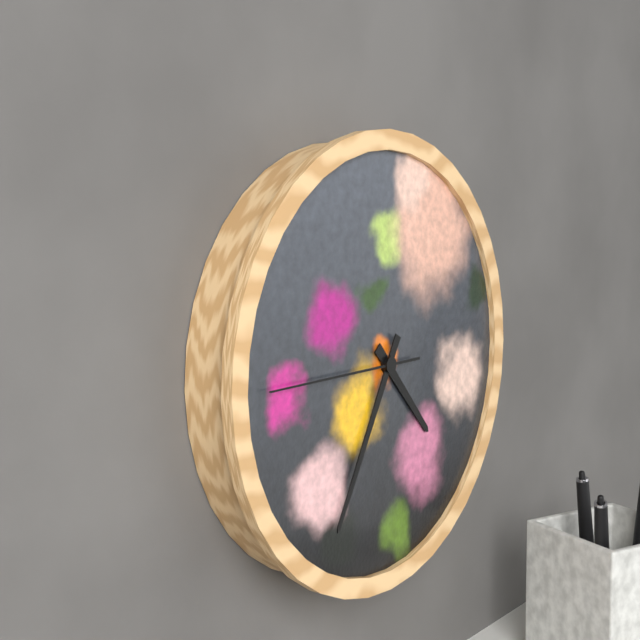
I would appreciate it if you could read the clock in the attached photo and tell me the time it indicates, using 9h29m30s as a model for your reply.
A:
4h35m45s
